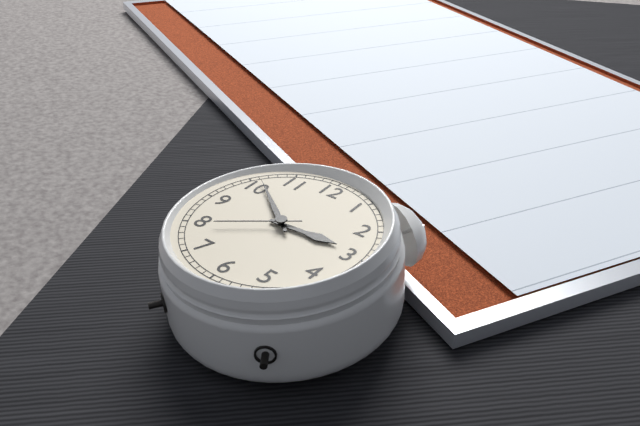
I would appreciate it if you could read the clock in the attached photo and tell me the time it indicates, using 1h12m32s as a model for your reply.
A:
2h51m39s
